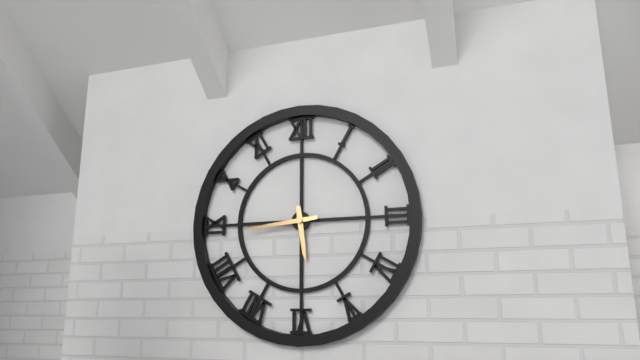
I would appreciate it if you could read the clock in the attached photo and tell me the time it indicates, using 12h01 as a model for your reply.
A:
5h44
